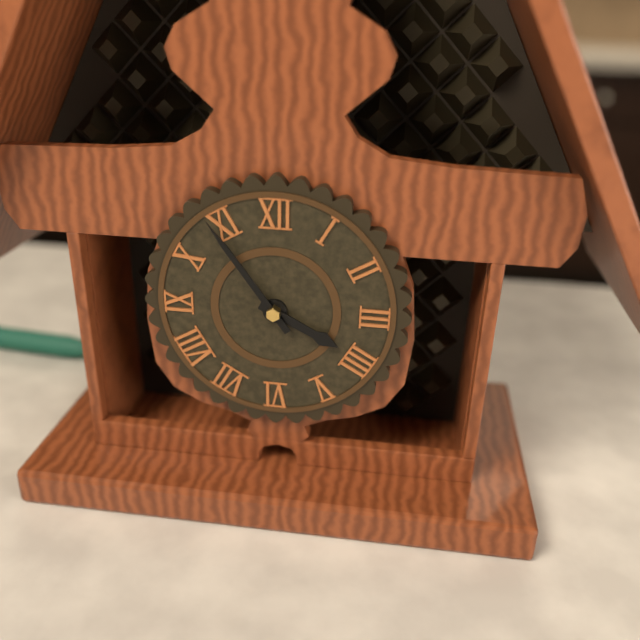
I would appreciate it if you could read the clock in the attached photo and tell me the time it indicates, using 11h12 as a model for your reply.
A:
3h54
